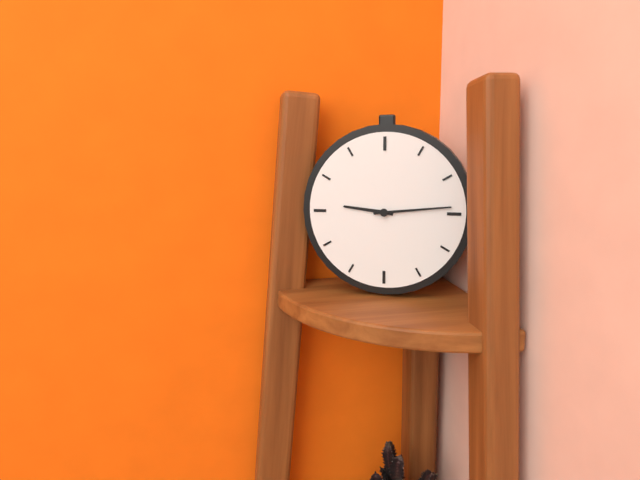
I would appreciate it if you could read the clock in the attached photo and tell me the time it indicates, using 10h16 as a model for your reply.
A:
9h14
